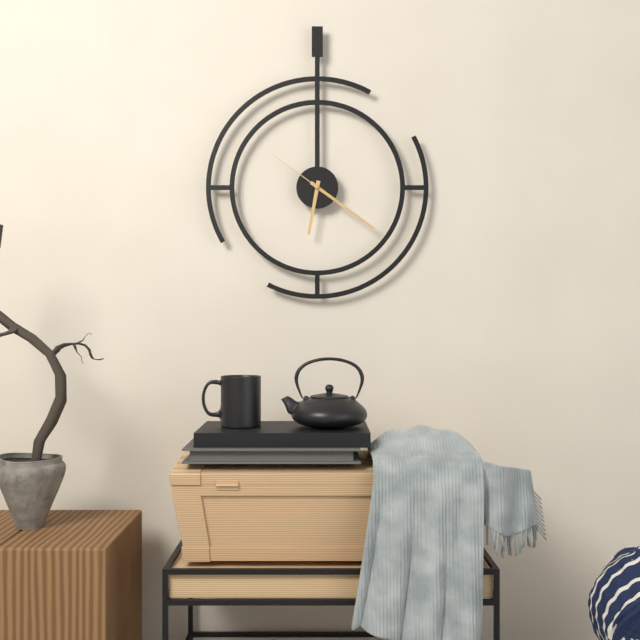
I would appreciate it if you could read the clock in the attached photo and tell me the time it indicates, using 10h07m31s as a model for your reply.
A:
6h21m51s
